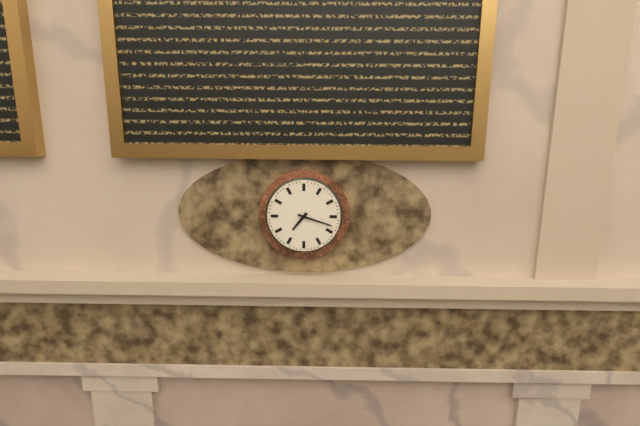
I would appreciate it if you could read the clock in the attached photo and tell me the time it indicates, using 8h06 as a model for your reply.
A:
7h18
